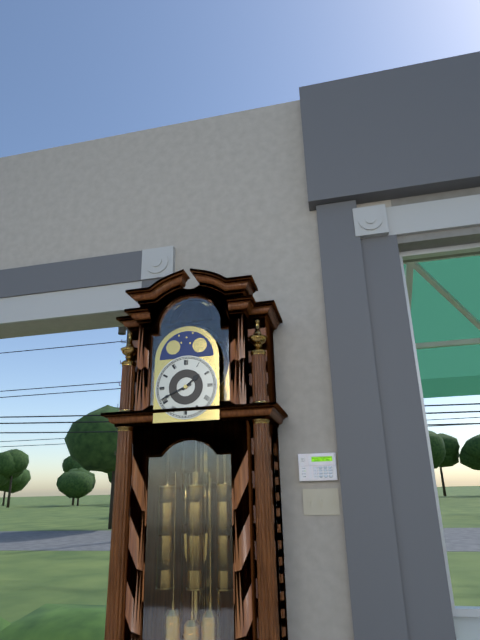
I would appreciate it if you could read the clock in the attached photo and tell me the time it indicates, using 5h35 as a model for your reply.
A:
1h41
